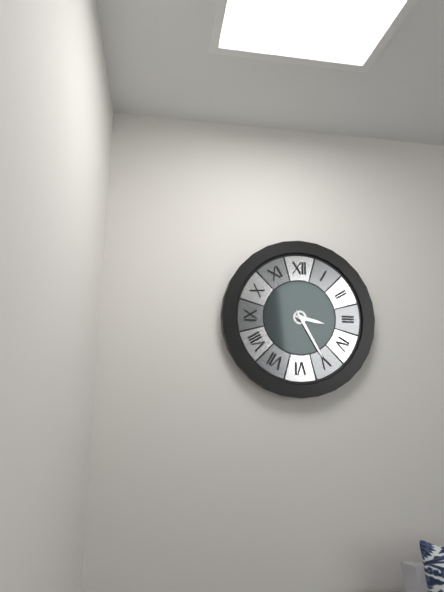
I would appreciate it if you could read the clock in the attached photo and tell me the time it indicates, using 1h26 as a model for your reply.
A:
3h25
